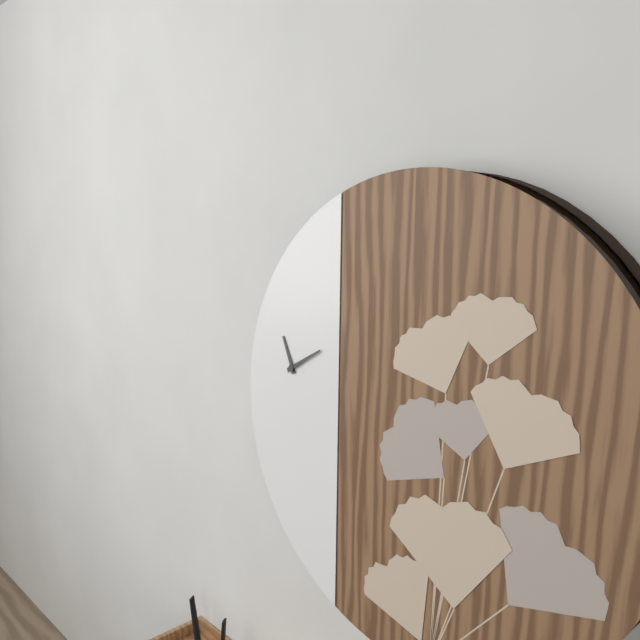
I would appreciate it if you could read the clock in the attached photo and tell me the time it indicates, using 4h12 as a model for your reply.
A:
11h10
